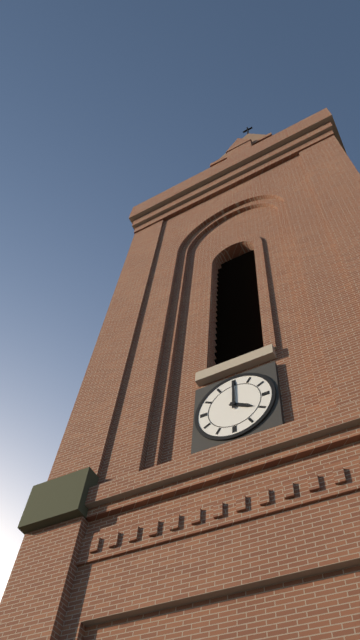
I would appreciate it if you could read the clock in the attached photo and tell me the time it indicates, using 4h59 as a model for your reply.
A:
4h00
